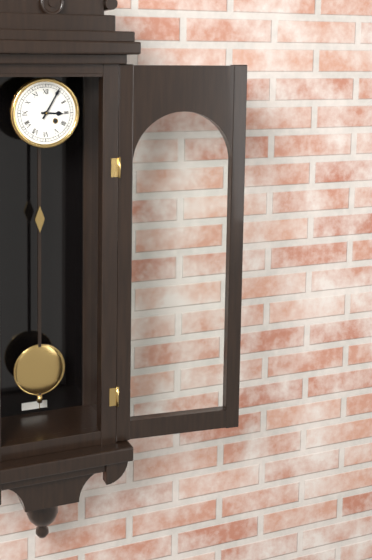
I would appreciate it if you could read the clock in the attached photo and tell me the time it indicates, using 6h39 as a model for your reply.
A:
3h05
